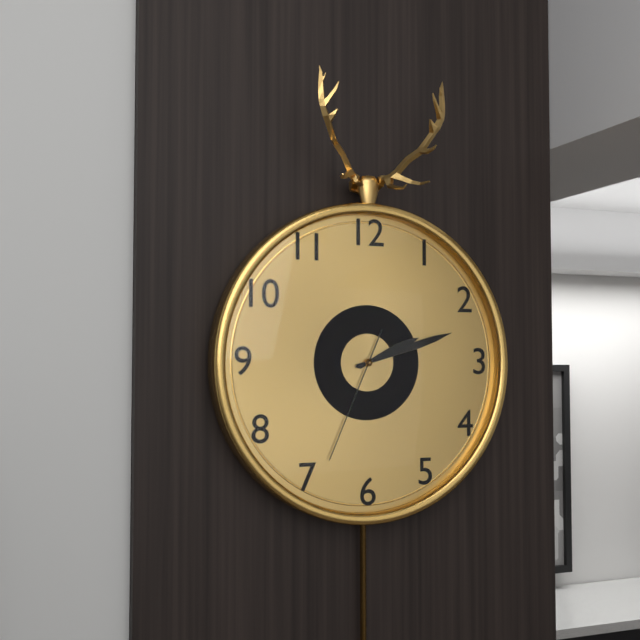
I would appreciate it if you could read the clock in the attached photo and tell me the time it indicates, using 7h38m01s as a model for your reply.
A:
2h12m34s
